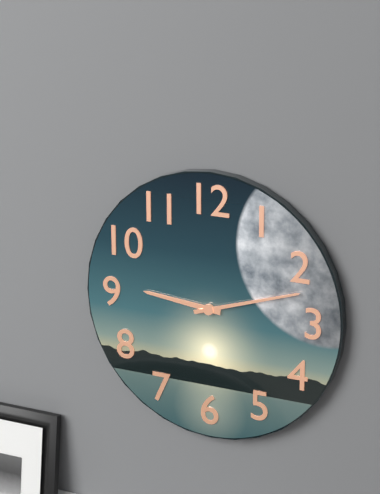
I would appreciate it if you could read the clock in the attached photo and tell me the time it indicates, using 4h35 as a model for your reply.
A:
9h12
